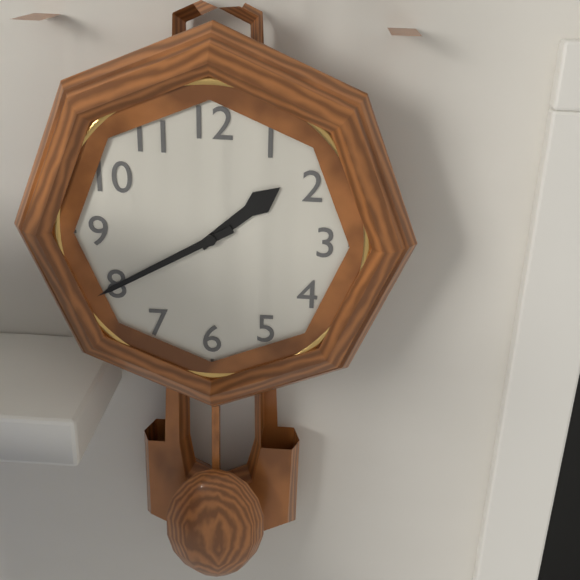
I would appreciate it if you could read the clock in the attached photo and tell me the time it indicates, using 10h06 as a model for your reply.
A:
1h40
